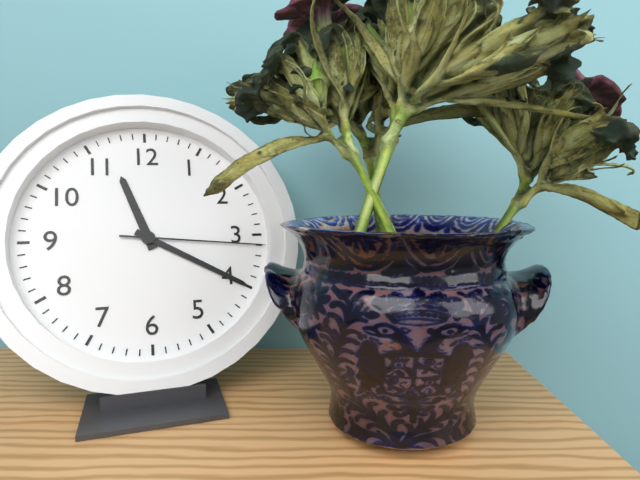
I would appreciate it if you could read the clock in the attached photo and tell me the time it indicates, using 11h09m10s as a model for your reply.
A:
11h20m16s
